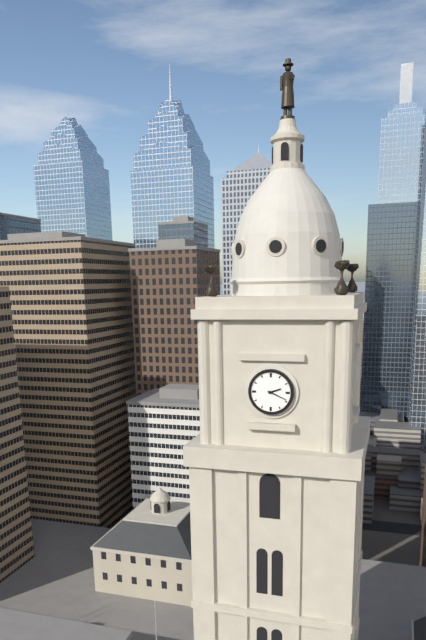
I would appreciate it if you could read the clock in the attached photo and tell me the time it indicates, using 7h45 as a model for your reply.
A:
2h19
